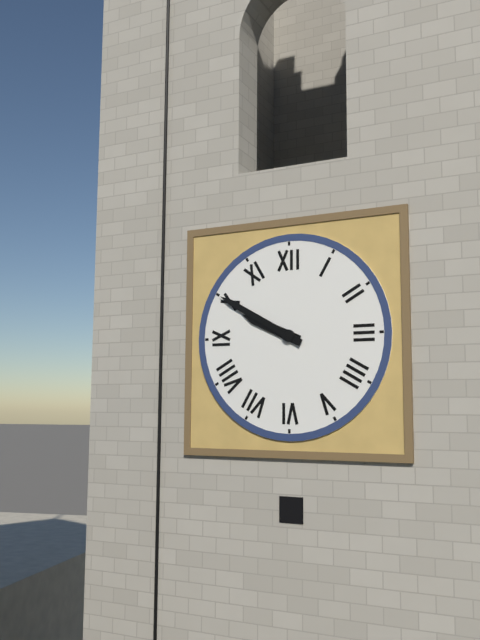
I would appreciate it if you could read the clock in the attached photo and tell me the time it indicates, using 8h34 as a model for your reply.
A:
9h50
